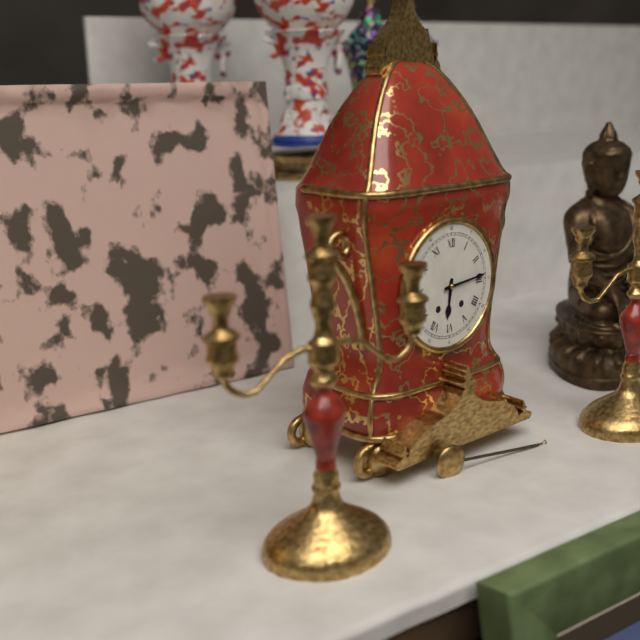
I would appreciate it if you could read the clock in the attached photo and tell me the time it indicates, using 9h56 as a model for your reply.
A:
6h14
